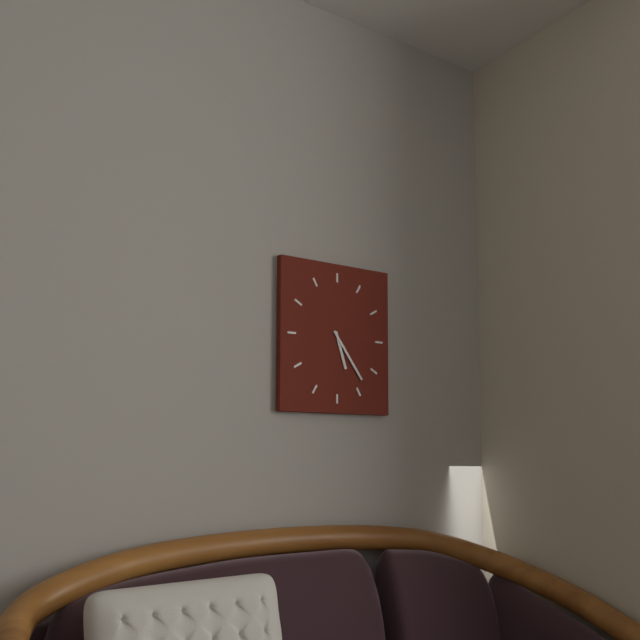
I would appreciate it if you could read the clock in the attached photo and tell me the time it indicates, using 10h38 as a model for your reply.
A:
5h24
